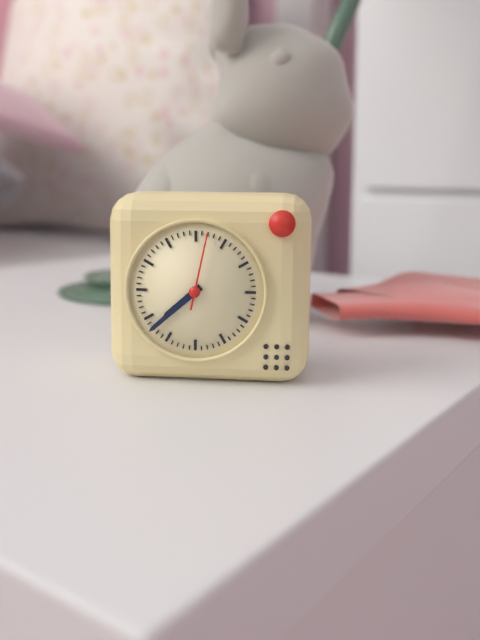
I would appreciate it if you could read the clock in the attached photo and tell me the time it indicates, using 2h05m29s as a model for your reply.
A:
7h38m02s
